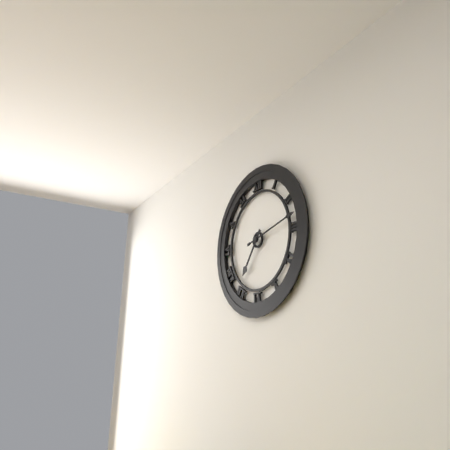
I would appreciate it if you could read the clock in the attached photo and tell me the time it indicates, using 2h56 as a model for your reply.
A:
7h13
